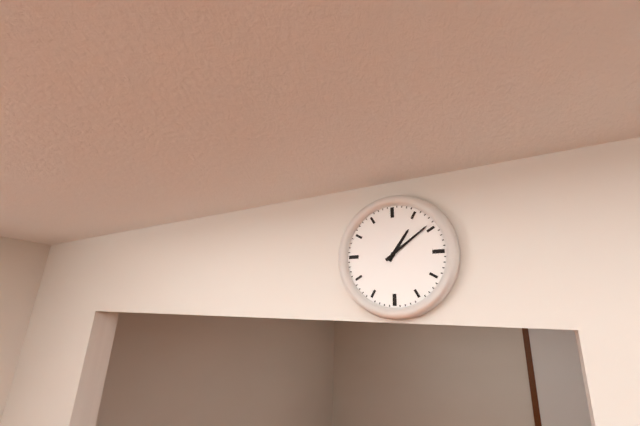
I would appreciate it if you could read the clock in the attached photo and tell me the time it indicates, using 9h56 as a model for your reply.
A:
1h09
